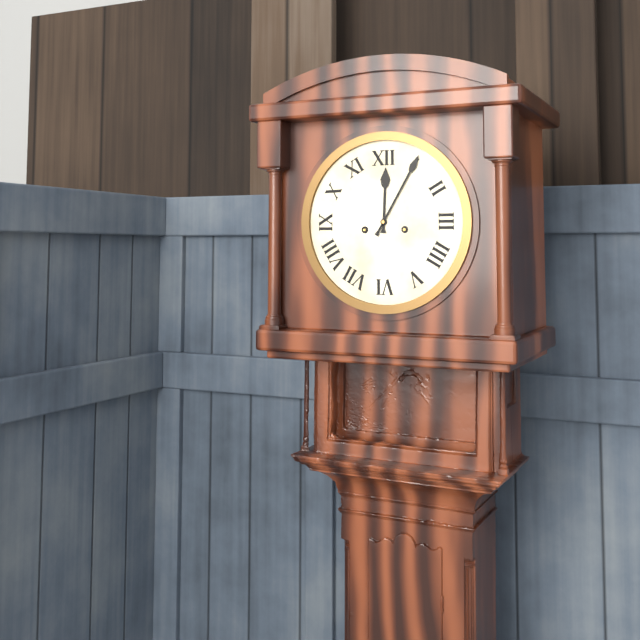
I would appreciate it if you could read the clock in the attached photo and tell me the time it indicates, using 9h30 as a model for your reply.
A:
12h05
